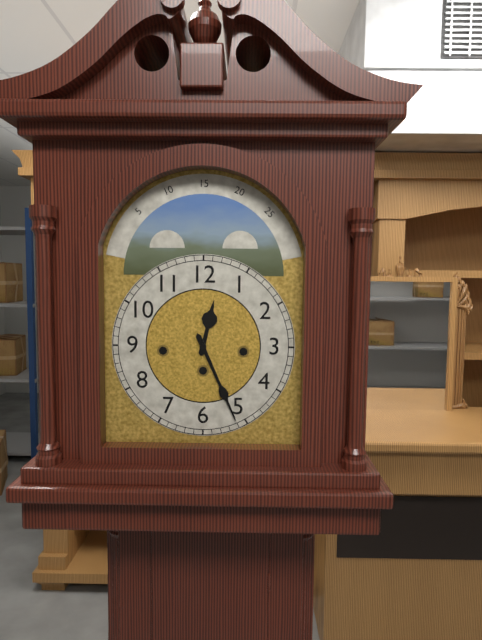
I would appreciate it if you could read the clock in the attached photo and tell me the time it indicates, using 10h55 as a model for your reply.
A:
12h26
